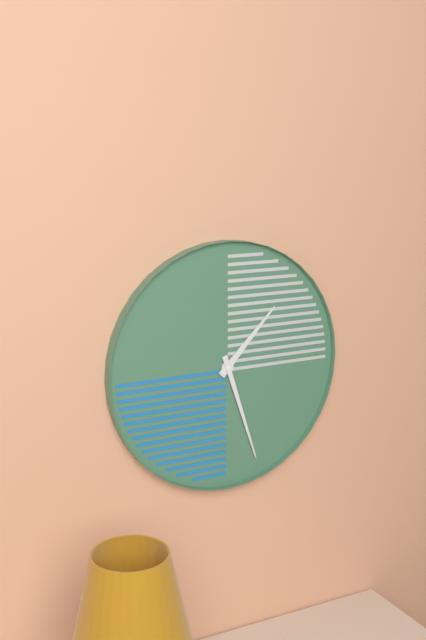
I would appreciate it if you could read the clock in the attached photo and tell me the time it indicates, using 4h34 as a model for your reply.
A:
1h27
